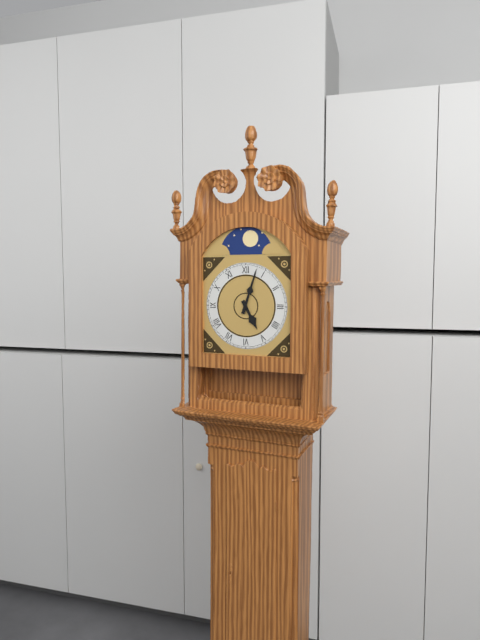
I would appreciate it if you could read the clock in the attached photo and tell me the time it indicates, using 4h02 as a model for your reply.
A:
5h03
